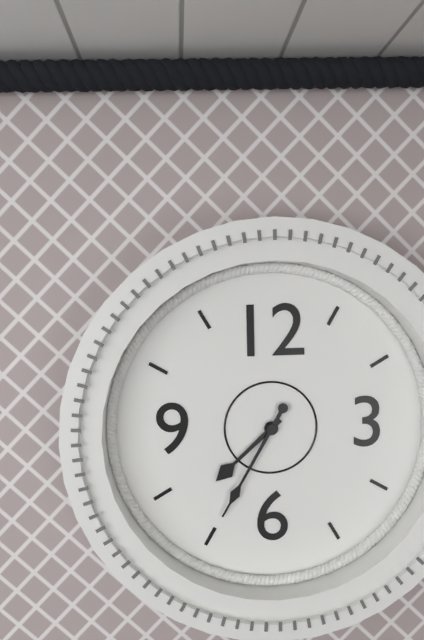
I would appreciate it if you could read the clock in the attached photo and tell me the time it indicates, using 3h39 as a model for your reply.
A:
7h35
